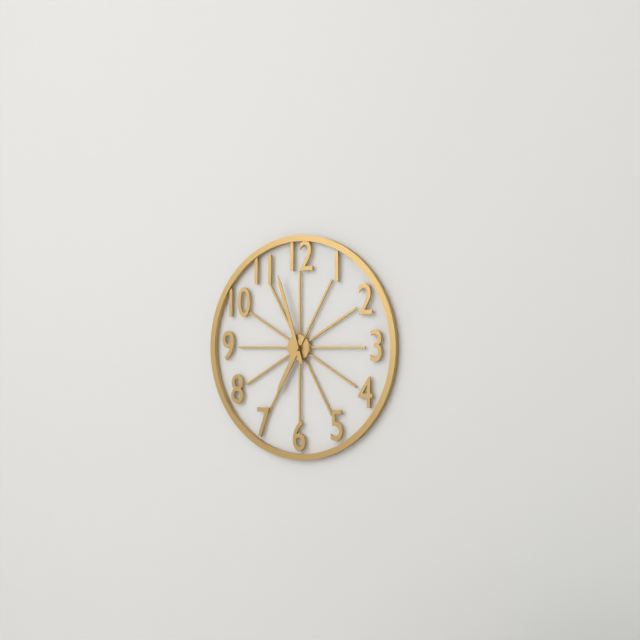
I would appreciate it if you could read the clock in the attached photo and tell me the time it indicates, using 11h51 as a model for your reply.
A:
6h57
